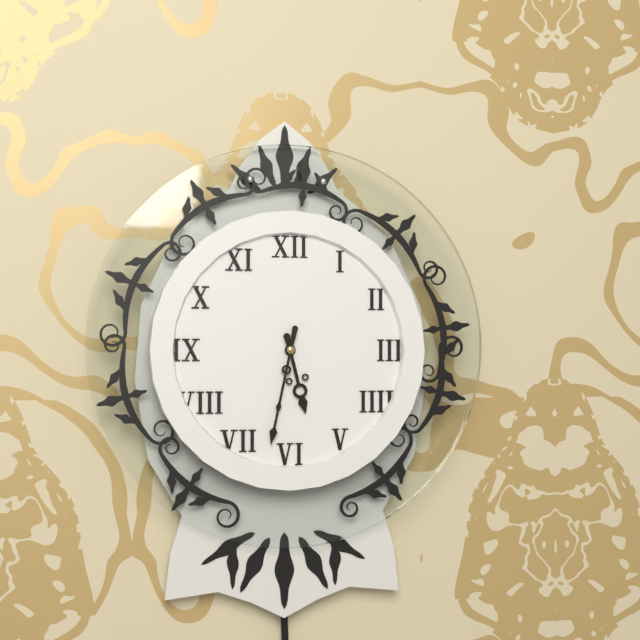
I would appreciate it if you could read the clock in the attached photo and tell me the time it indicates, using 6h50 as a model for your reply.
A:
5h32
